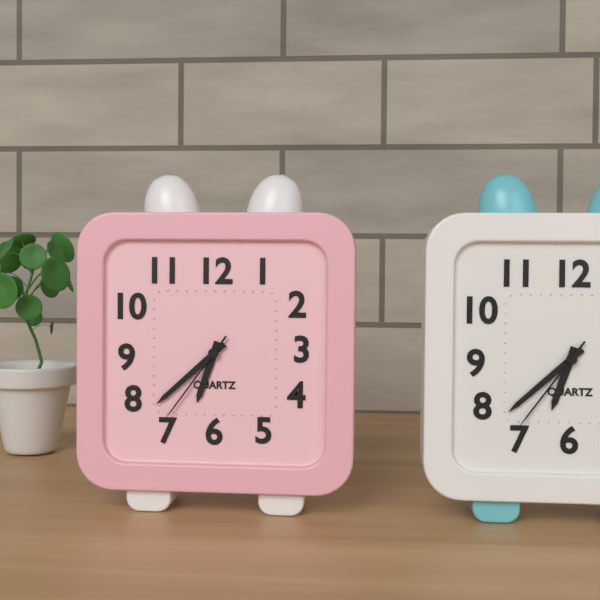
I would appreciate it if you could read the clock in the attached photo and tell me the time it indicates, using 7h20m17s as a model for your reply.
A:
6h38m36s
